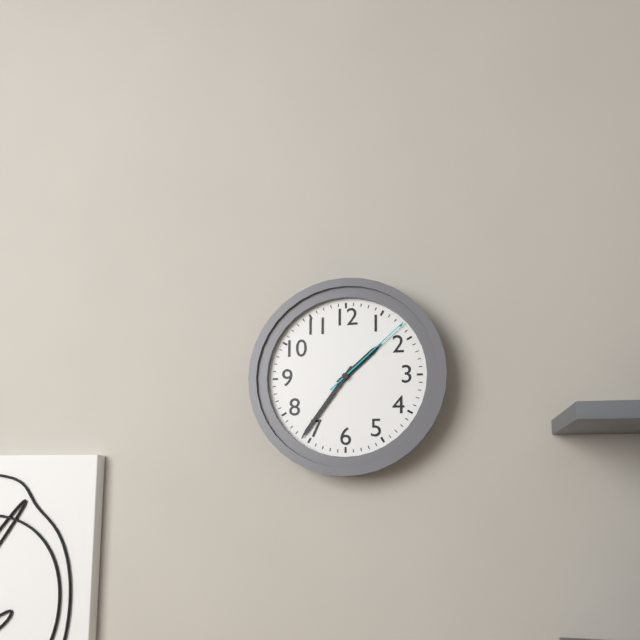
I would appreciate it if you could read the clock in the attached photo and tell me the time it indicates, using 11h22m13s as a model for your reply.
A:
1h36m08s
